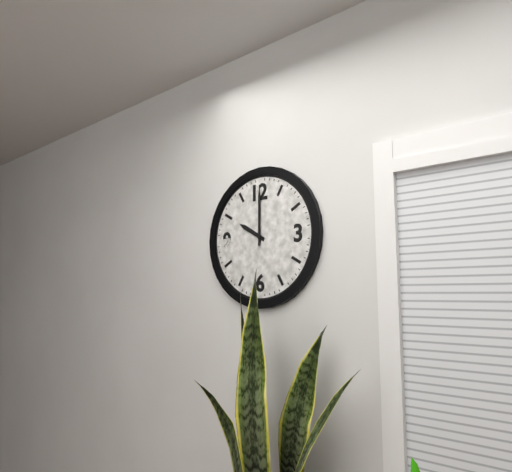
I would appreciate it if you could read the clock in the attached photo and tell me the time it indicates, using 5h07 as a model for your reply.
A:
10h00
